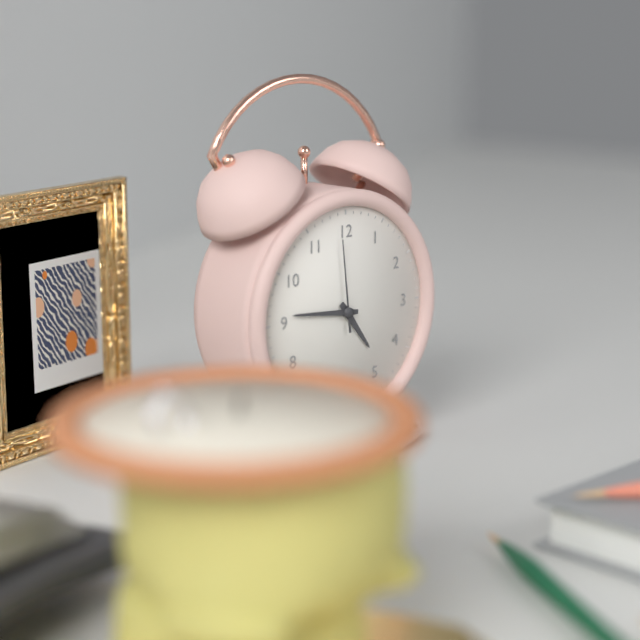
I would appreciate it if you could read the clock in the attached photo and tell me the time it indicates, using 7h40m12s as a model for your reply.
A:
4h46m59s
